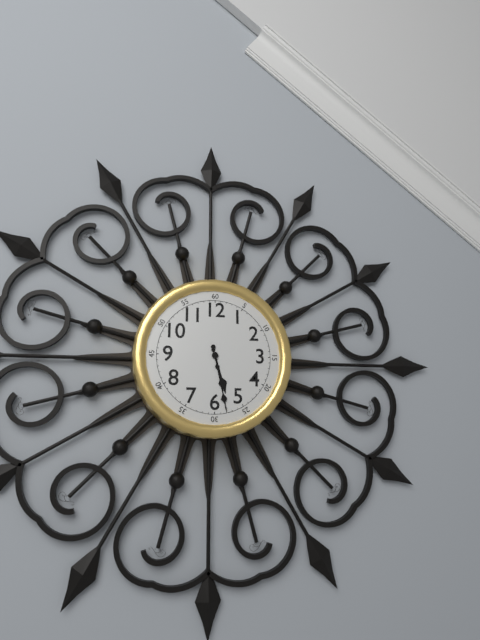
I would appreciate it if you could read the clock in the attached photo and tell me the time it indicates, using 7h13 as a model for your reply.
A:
5h28
